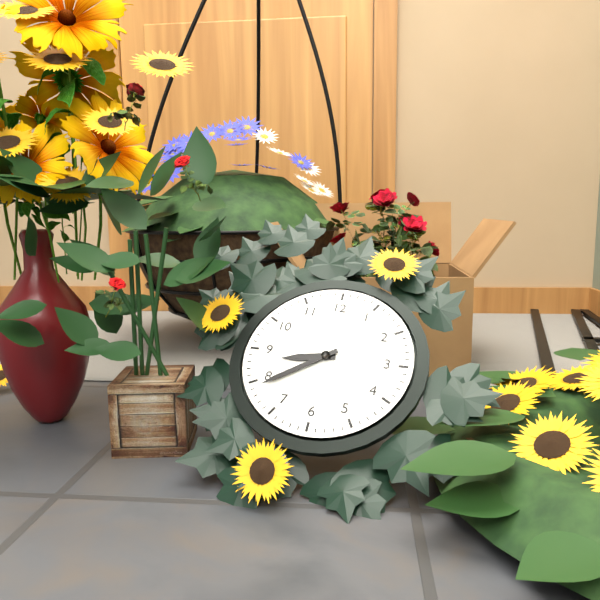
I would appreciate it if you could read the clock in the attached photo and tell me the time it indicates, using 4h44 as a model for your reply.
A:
8h39
